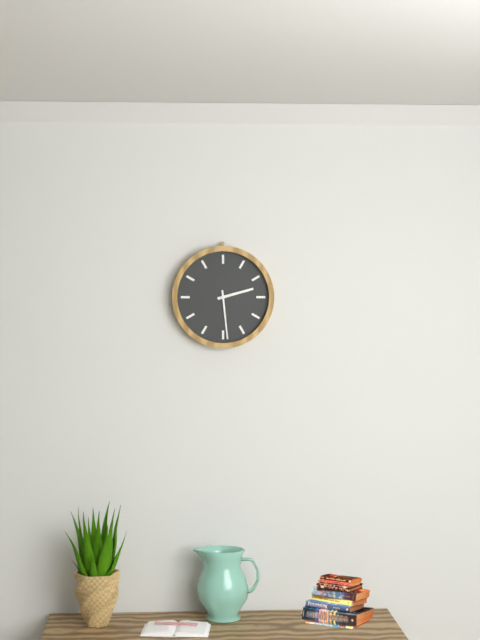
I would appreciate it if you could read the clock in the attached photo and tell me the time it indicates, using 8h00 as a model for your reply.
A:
2h29
